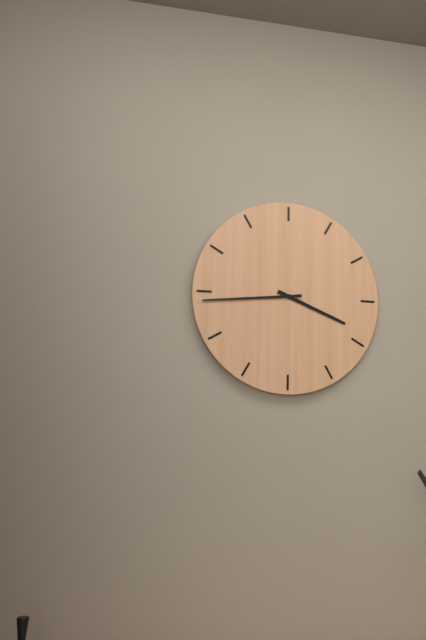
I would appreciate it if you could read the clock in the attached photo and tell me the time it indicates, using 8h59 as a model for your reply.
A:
3h44
